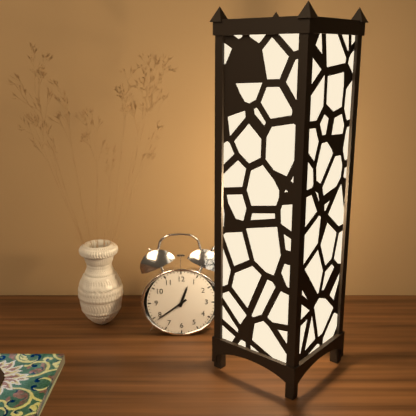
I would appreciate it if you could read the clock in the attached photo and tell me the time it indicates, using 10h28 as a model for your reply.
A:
12h39
